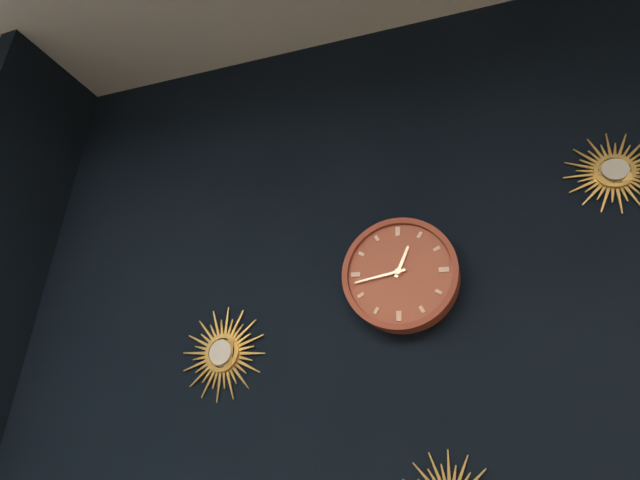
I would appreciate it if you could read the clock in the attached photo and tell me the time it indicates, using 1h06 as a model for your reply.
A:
12h43
